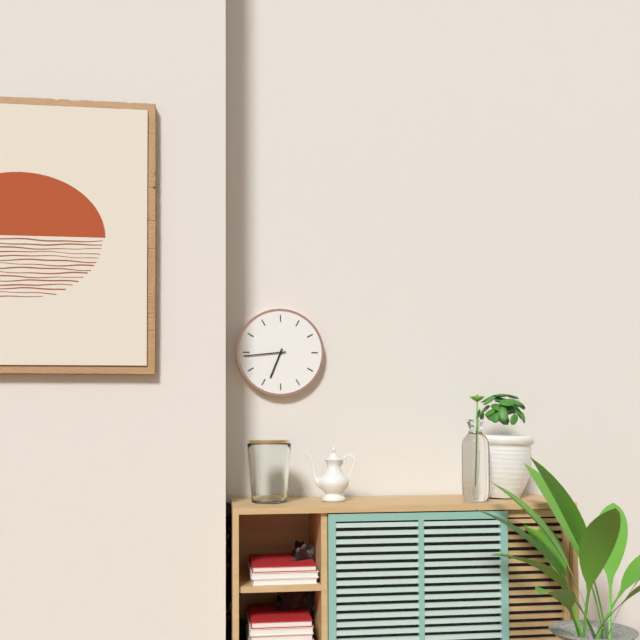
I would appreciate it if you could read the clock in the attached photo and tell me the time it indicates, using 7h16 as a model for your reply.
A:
6h44
